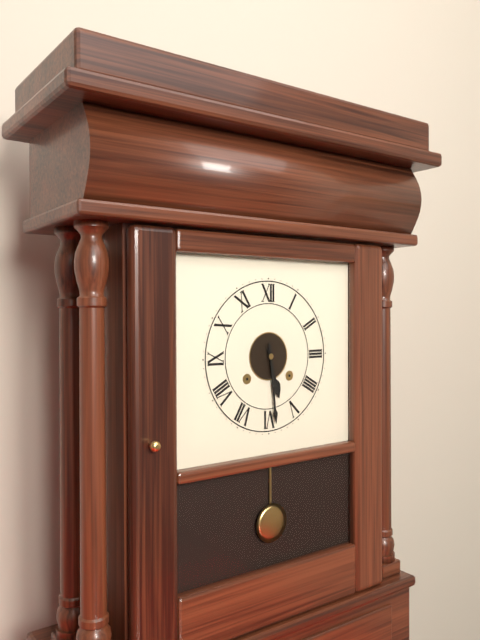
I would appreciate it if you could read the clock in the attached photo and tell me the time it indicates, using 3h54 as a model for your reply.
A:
5h29
